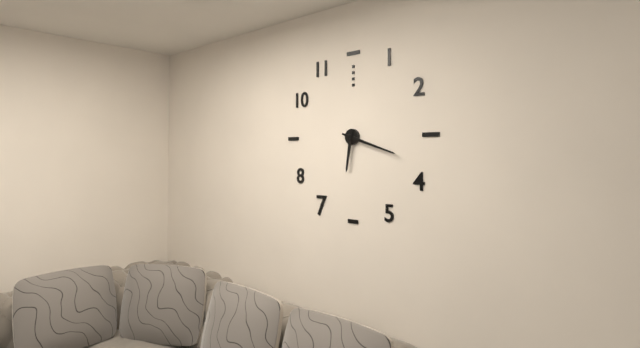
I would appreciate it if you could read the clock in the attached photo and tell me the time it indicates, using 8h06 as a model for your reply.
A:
6h18
